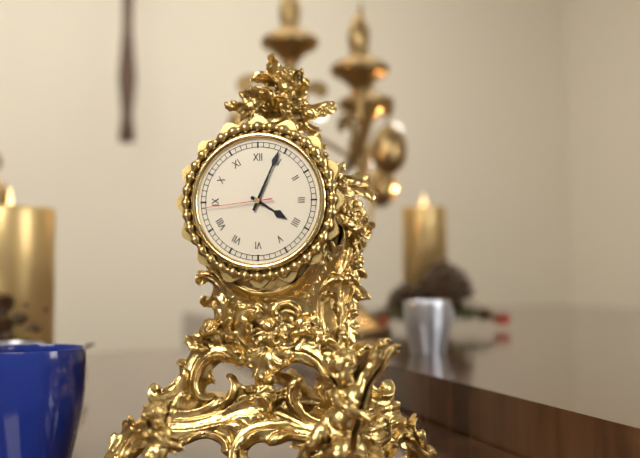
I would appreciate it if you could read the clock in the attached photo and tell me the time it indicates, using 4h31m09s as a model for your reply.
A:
4h04m44s
